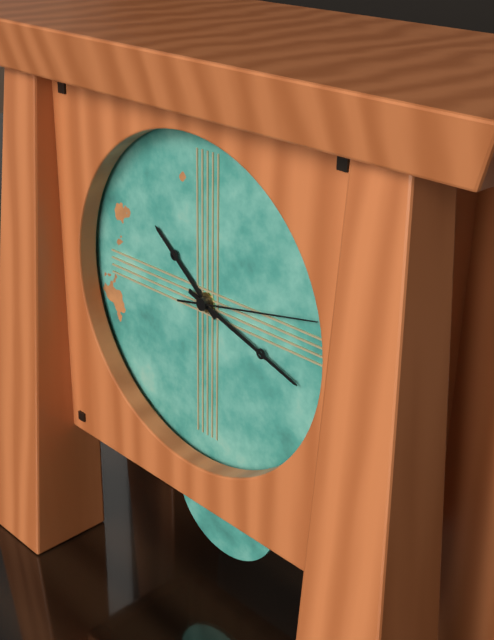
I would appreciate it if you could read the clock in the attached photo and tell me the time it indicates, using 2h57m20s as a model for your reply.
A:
10h18m13s
